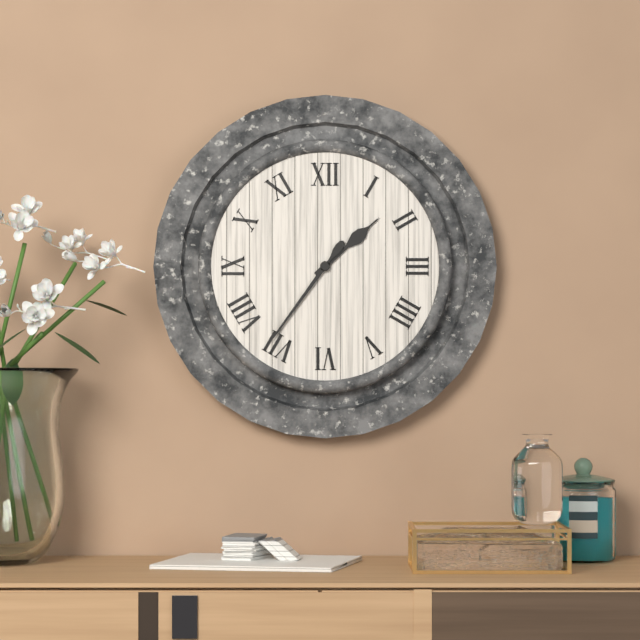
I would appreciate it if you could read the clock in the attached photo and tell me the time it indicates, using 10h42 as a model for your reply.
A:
1h36
